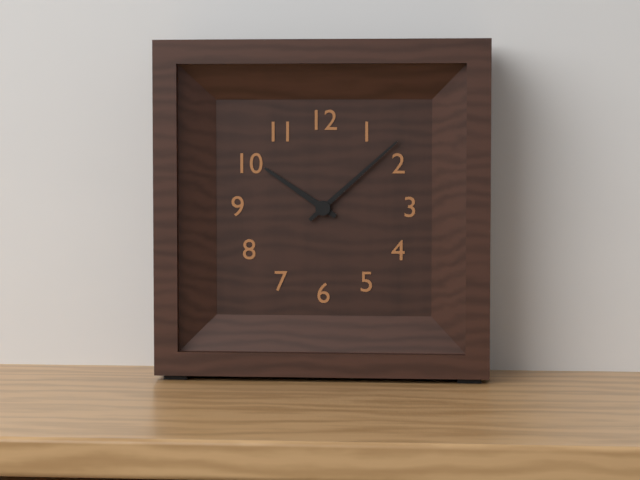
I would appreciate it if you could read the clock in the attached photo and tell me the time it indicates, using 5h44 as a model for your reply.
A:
10h08
